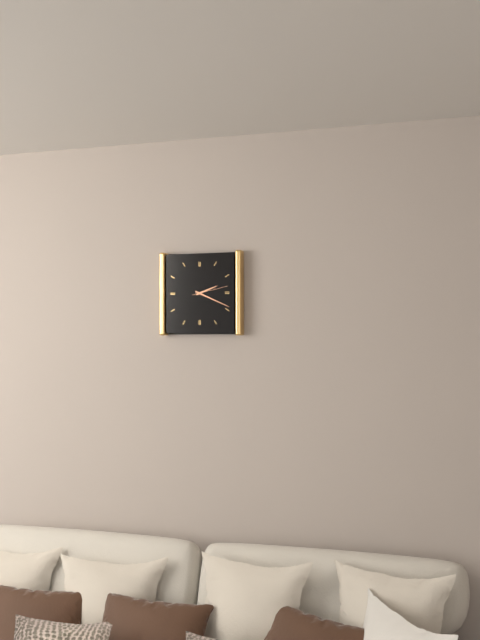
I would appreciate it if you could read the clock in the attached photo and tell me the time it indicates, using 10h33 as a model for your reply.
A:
2h19
